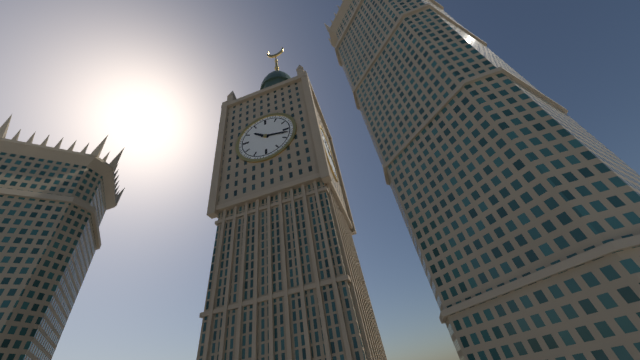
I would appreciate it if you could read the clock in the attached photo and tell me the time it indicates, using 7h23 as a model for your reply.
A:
10h17
